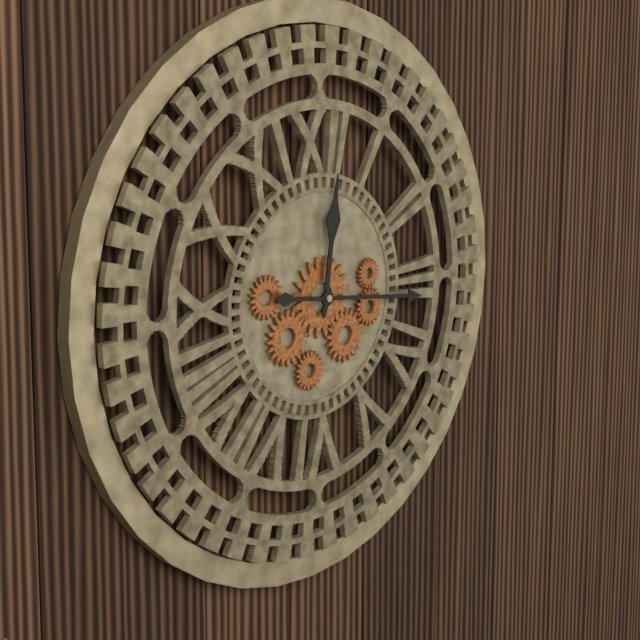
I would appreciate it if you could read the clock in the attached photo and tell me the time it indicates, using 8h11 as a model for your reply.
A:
12h16
